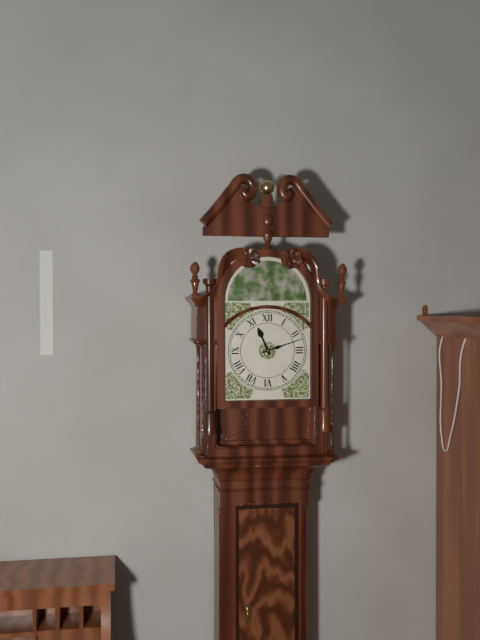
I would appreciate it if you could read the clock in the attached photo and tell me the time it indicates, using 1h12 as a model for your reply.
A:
11h12
